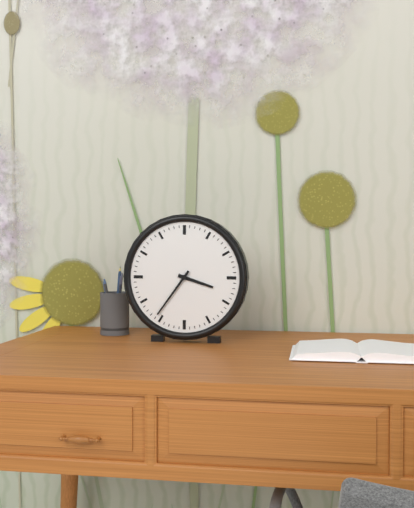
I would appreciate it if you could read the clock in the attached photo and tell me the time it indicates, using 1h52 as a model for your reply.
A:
3h36
